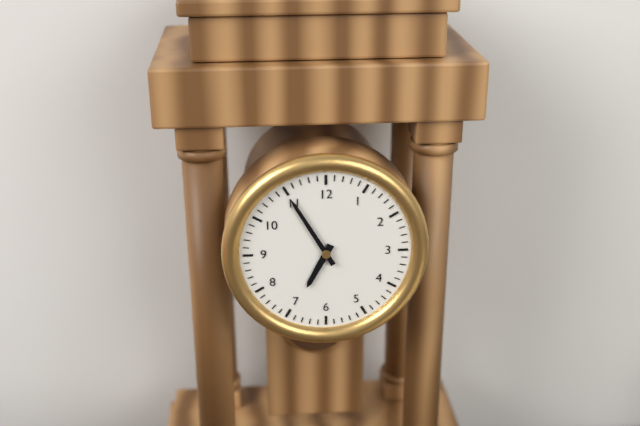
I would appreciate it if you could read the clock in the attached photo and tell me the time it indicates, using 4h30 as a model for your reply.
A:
6h55
